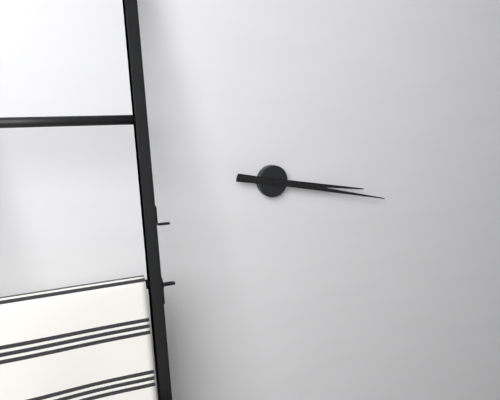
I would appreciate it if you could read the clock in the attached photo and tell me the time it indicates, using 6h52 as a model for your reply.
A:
3h17
